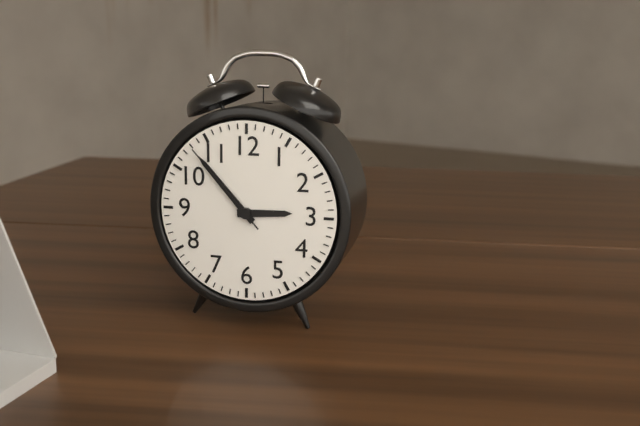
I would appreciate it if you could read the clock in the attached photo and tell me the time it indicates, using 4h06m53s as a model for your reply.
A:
2h53m53s
